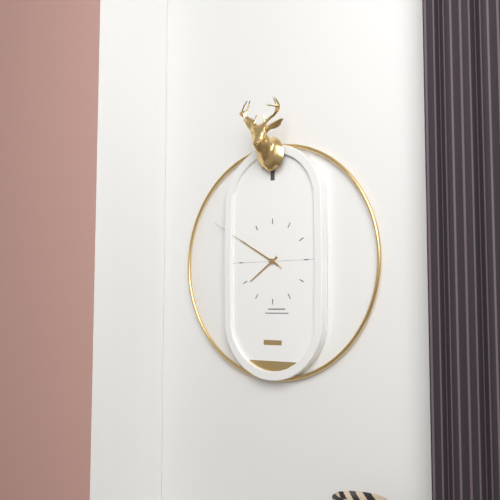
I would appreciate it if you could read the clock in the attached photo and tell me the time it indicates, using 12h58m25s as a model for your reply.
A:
7h50m50s
